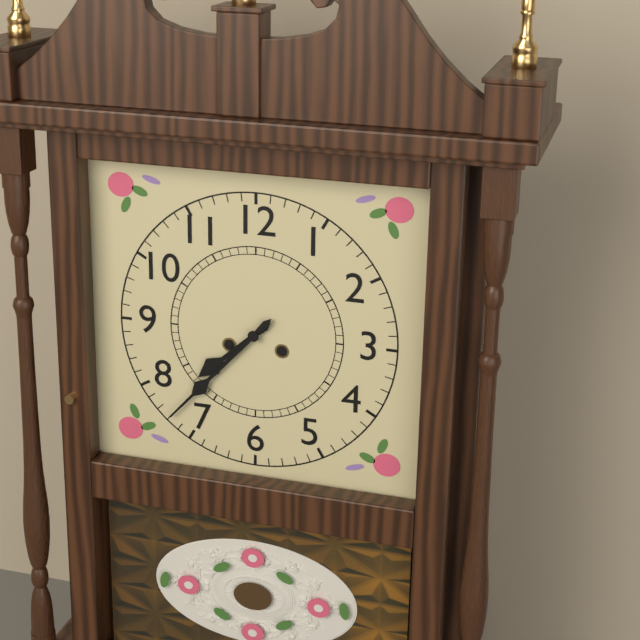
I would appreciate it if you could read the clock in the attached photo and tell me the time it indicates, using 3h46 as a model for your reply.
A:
7h37
